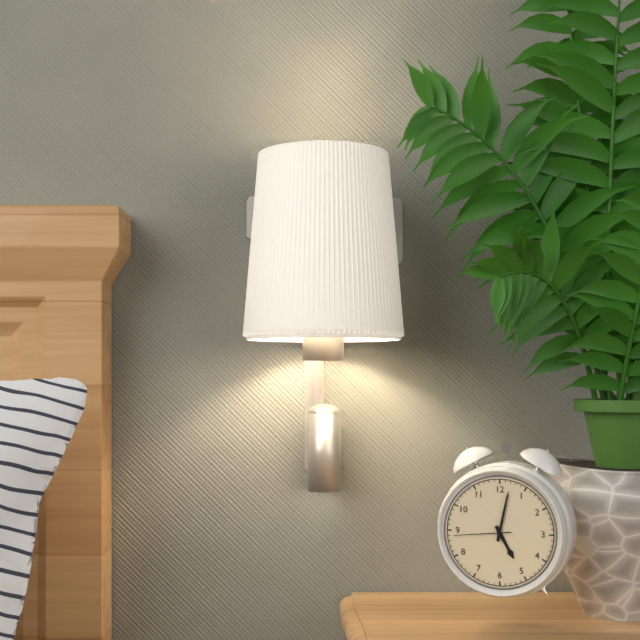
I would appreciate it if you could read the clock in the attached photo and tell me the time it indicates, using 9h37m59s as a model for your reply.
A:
5h02m44s
